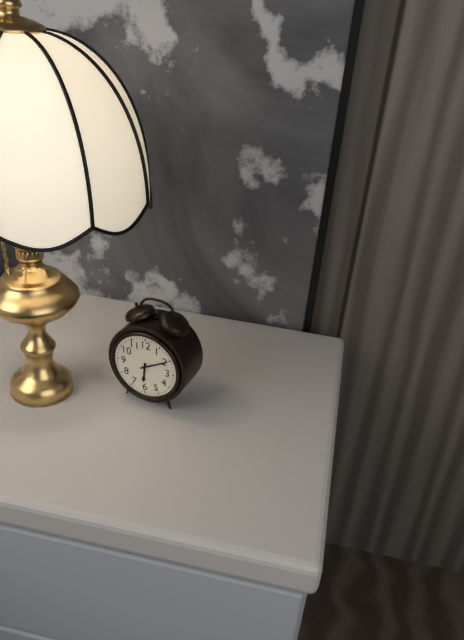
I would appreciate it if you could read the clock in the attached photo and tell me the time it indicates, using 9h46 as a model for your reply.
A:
6h10
